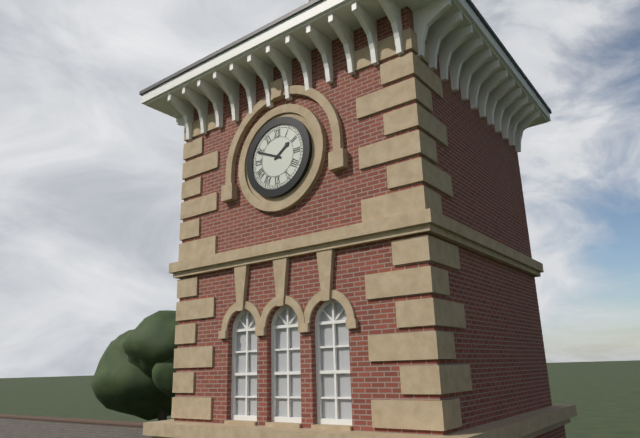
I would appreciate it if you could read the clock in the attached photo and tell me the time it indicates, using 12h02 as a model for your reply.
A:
1h49
